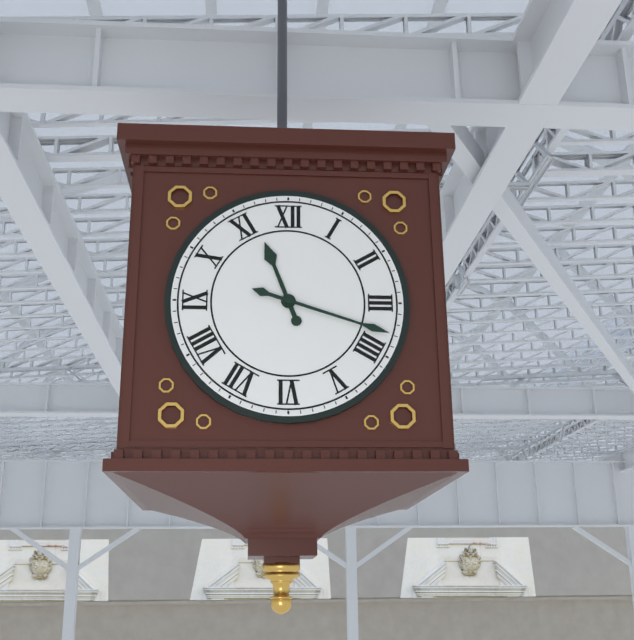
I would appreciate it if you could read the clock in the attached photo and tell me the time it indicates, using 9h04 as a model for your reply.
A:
11h18
